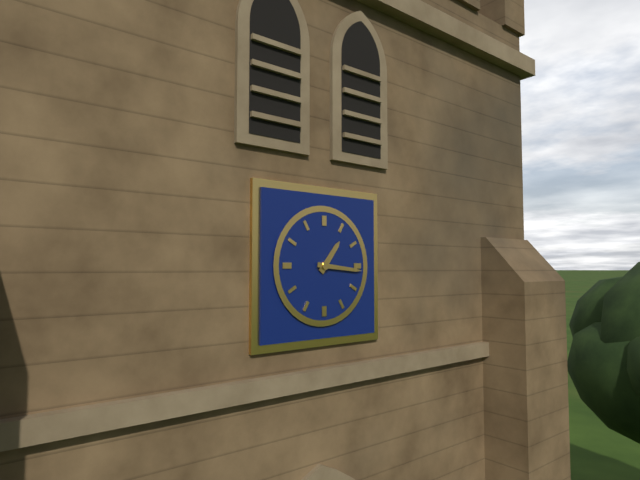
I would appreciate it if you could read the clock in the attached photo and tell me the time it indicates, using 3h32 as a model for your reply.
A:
1h16
